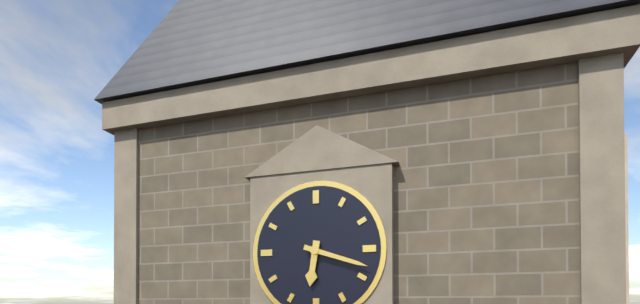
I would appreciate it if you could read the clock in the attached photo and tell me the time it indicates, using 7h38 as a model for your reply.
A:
6h18
